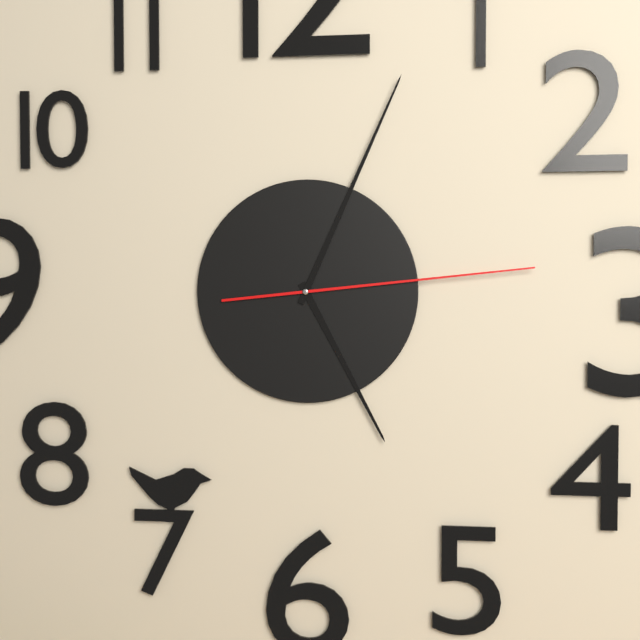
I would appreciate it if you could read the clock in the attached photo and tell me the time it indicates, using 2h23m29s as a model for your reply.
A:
5h04m14s
